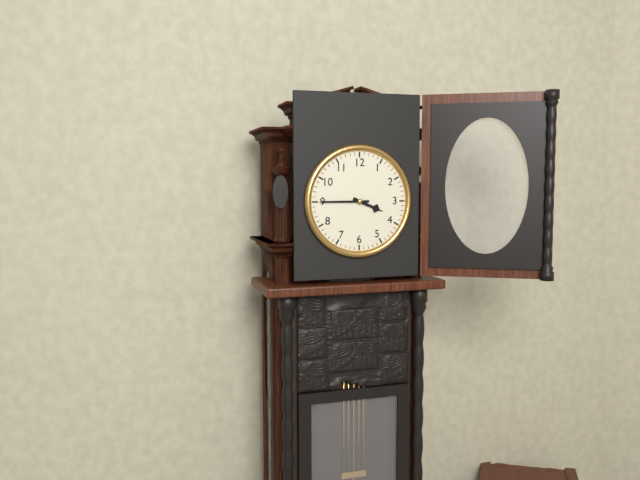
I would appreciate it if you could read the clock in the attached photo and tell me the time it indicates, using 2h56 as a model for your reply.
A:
3h45
